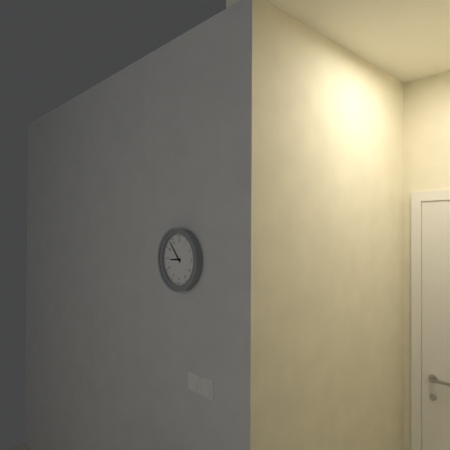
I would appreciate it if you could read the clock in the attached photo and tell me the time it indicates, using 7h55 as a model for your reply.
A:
8h53
